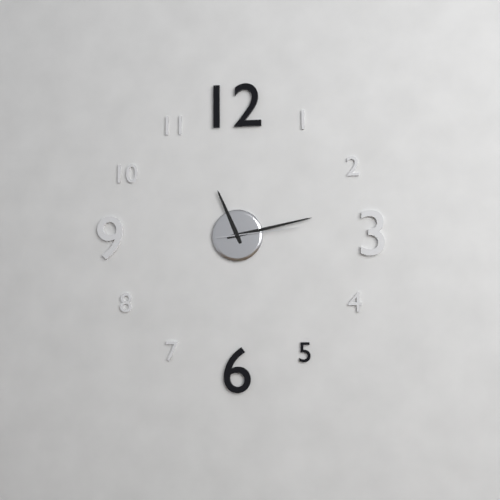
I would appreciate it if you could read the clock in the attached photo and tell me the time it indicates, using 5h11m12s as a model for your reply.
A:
11h13m14s
